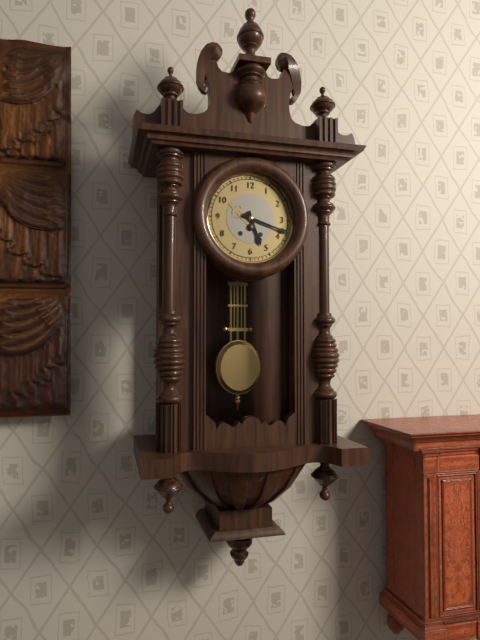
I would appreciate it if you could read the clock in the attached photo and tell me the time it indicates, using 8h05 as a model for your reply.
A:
5h18
